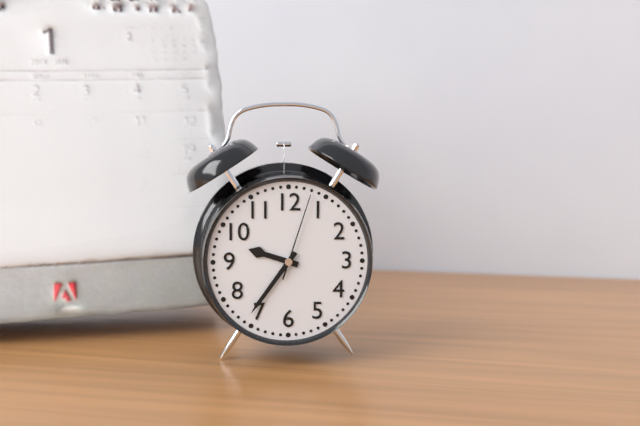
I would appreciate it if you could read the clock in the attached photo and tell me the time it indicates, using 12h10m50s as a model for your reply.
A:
9h36m03s
